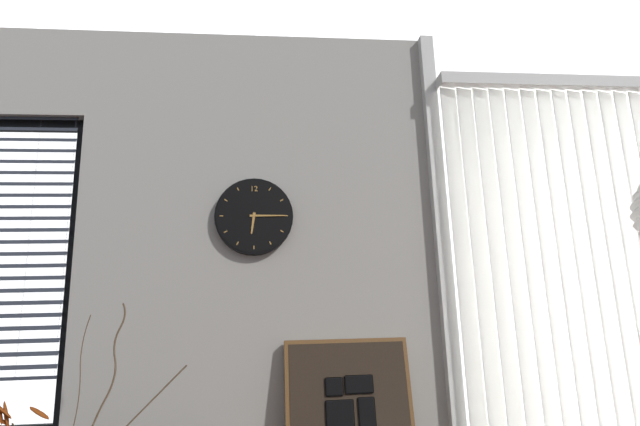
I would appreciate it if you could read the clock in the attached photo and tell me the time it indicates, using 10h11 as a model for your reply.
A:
6h15
